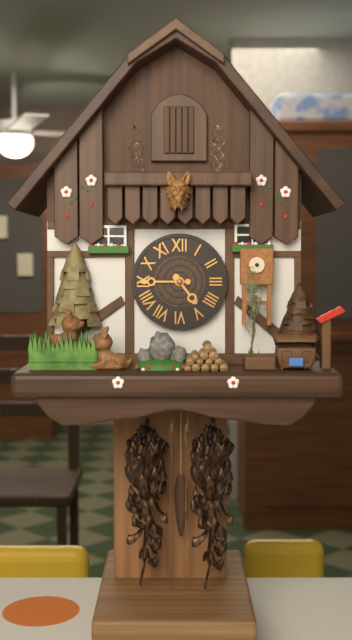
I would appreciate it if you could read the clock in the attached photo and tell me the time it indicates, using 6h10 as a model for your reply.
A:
4h45
